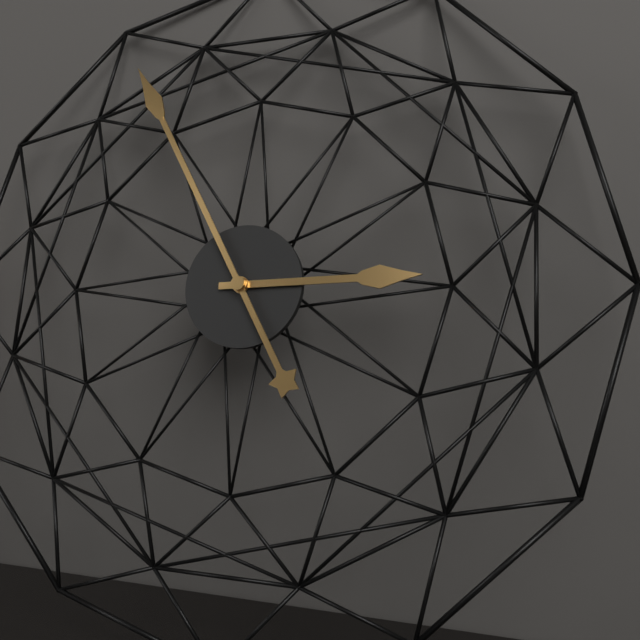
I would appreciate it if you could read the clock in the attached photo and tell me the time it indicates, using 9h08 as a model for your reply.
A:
2h55
